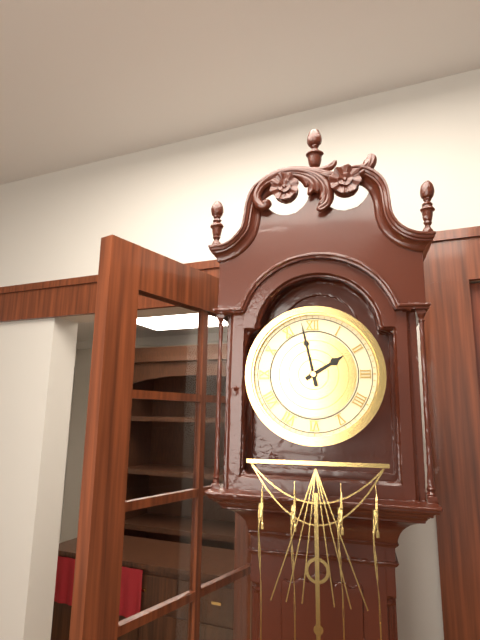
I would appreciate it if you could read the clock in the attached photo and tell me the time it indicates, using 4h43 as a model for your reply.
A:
1h58
